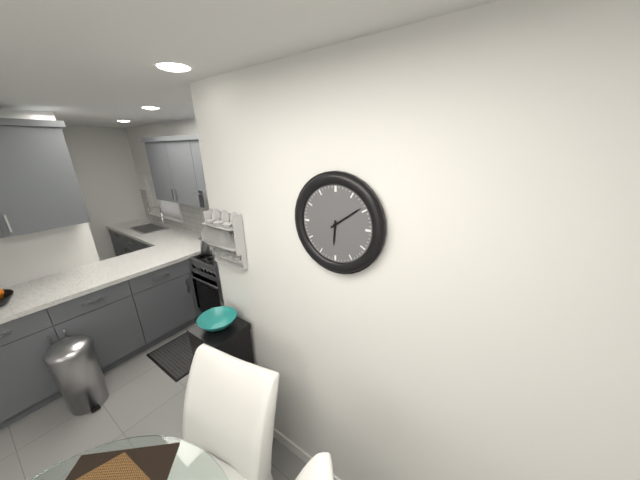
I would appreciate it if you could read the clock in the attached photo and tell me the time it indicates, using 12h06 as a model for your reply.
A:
6h09
